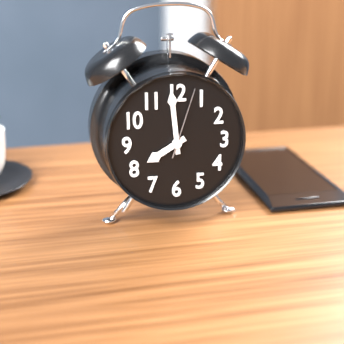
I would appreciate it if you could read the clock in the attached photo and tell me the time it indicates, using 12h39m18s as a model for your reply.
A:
7h59m03s
